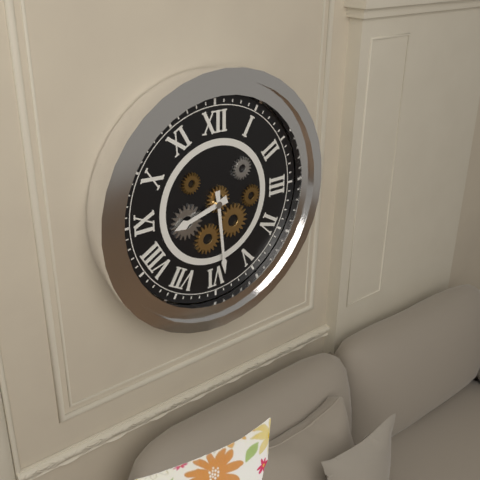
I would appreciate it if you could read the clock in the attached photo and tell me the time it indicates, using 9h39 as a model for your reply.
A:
8h29
